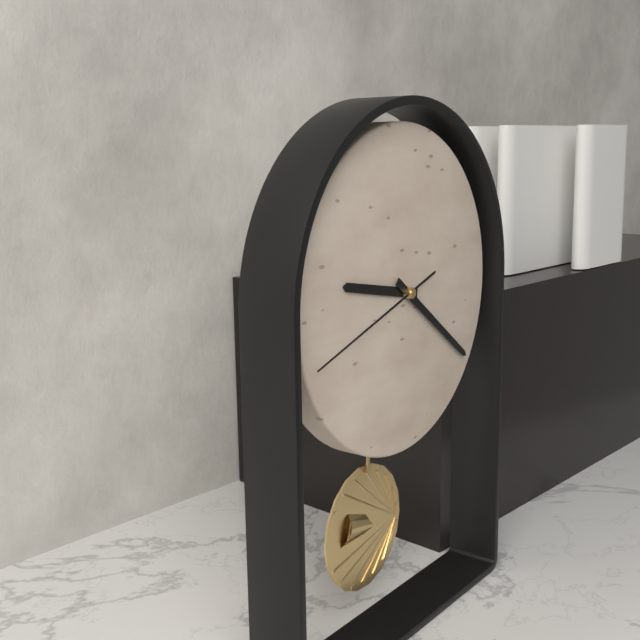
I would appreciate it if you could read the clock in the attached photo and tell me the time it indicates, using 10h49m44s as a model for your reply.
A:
9h21m42s
